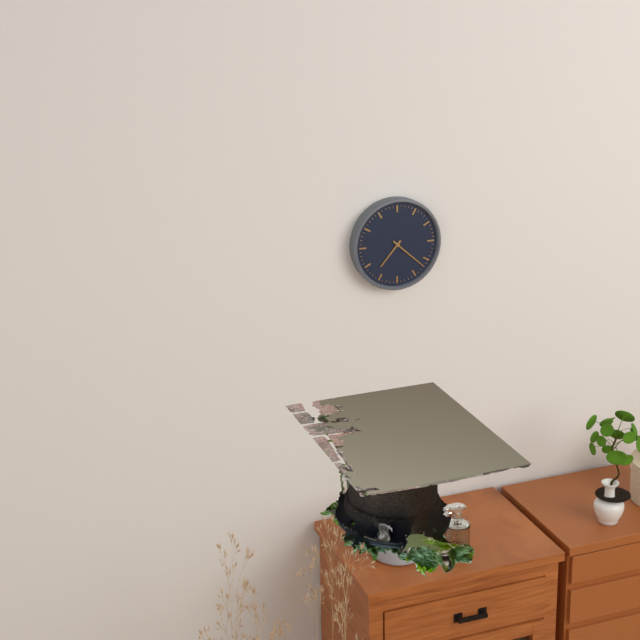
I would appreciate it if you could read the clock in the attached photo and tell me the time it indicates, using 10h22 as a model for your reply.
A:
7h22
